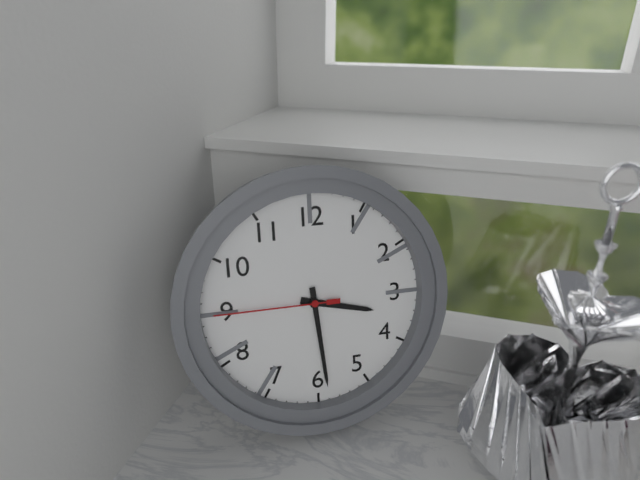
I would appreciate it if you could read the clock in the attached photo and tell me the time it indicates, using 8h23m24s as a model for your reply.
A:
3h29m45s
